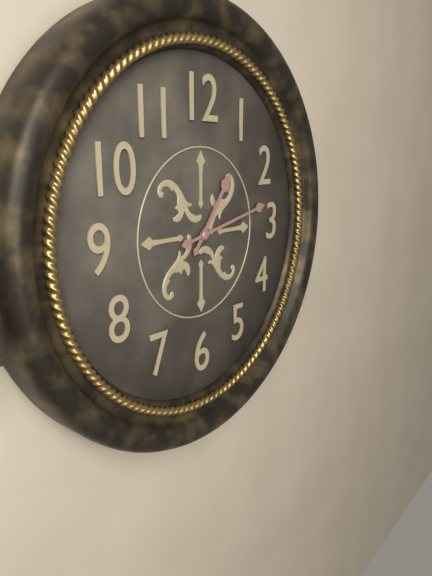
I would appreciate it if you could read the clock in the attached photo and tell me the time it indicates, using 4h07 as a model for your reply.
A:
1h13
